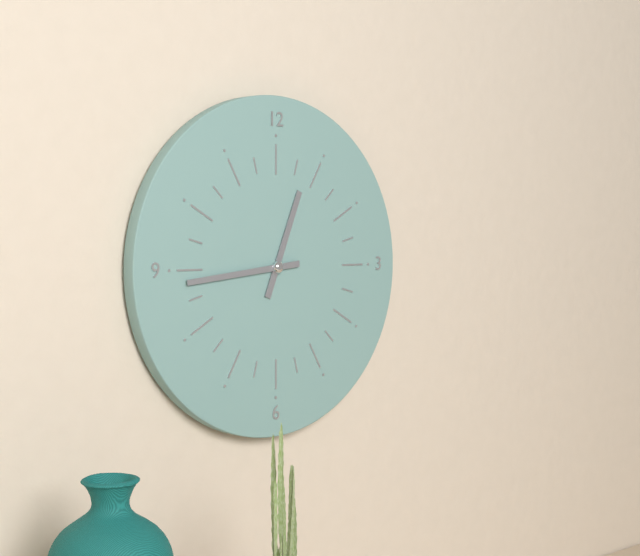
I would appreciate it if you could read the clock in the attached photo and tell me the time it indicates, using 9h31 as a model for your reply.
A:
12h44
